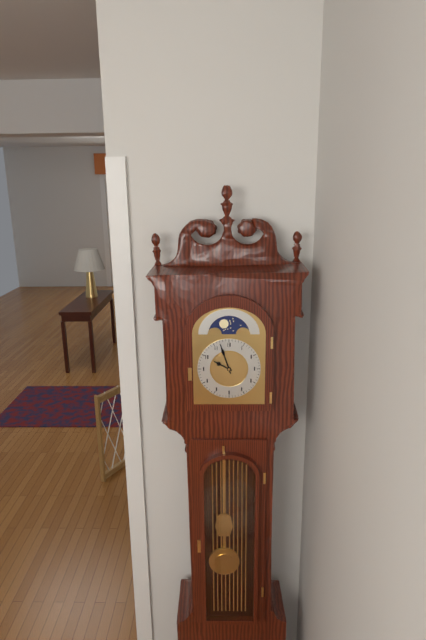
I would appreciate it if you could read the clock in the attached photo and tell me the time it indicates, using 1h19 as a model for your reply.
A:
9h57
